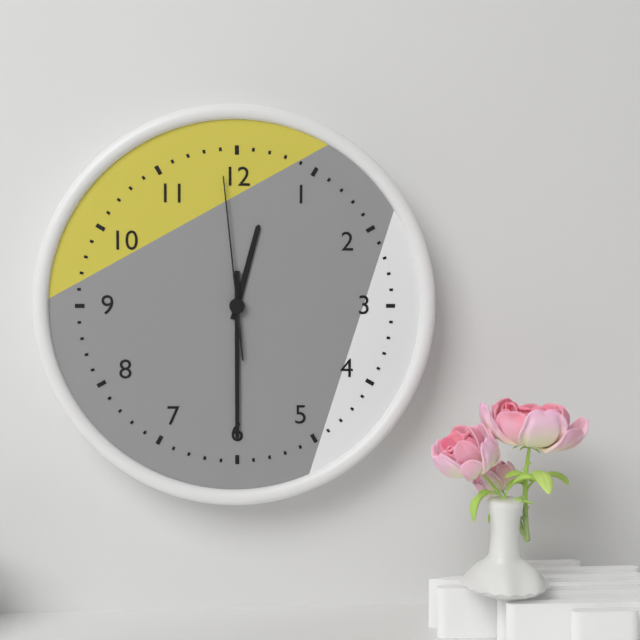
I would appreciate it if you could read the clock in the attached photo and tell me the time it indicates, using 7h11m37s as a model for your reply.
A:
12h30m59s
